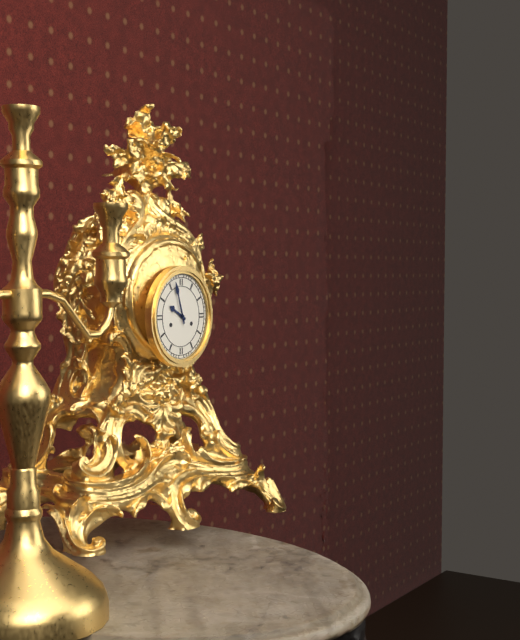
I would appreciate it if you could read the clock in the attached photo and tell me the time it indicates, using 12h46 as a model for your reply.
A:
9h57
